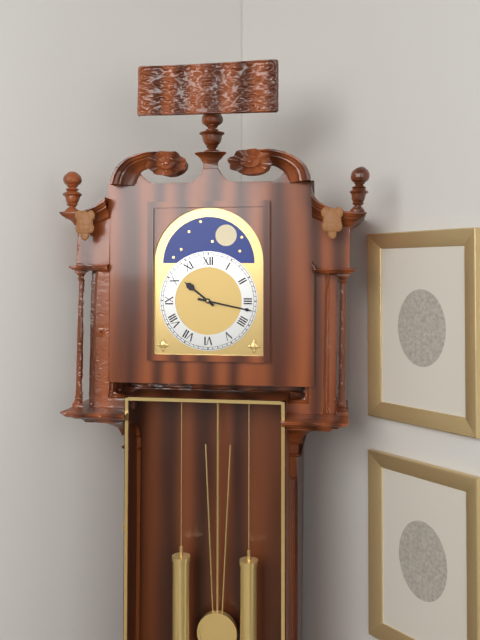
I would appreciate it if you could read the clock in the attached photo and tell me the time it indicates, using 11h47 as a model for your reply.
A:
10h17
